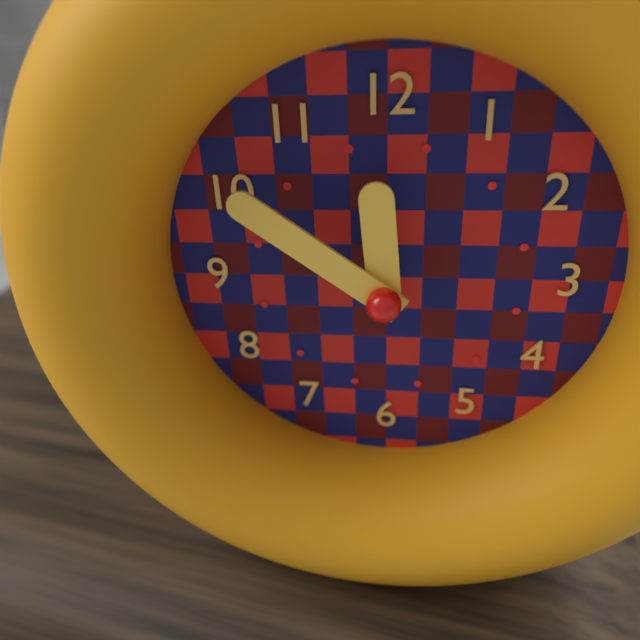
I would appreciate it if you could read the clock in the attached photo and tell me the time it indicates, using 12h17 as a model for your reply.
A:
11h51
